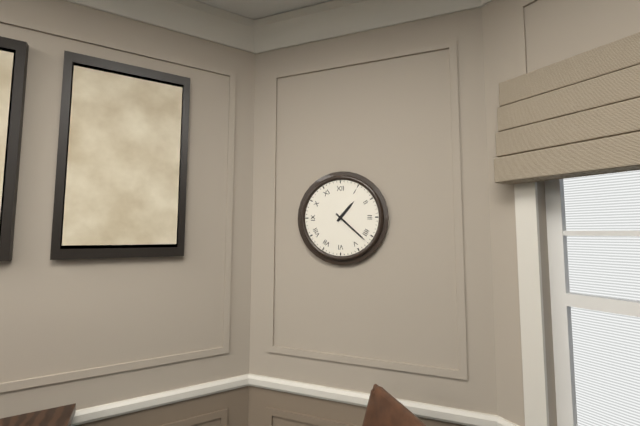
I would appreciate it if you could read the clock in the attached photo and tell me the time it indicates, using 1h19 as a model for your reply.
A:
1h22
